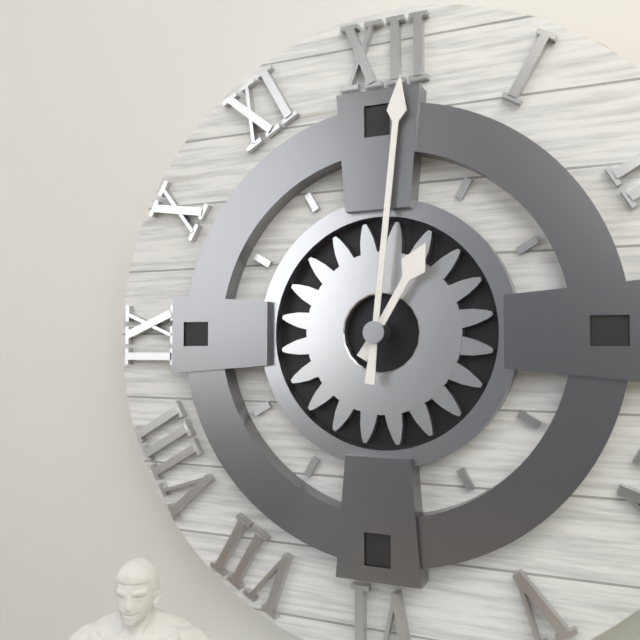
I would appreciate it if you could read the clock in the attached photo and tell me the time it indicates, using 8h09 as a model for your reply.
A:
1h01
